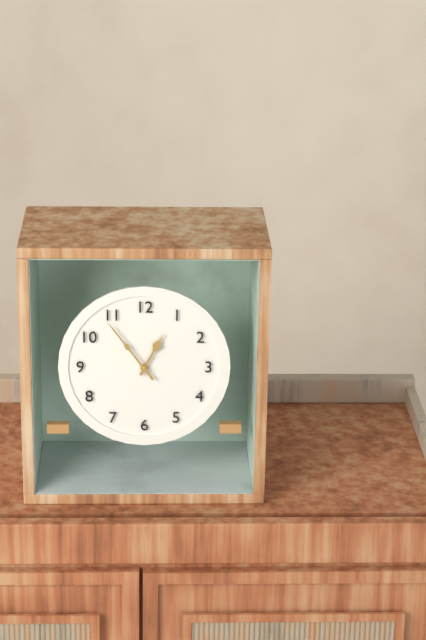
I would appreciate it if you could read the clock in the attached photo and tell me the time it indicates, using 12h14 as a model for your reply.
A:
12h54
